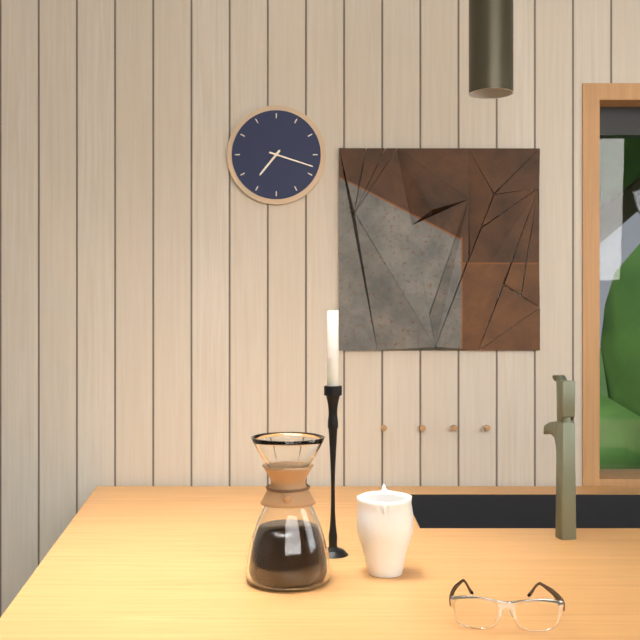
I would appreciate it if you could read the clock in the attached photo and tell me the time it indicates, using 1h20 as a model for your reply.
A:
7h18
